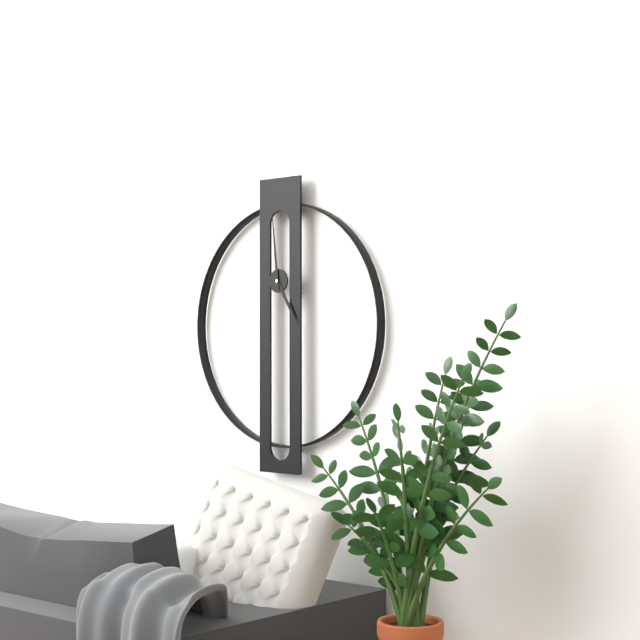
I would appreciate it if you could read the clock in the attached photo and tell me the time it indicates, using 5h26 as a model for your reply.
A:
4h59
